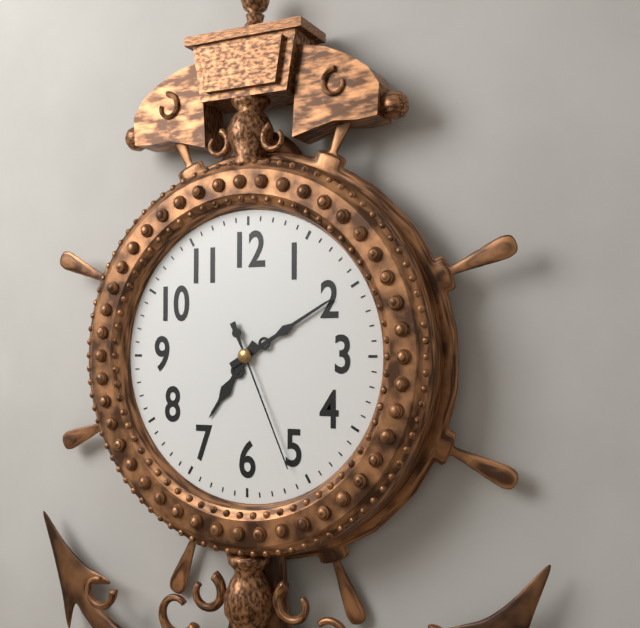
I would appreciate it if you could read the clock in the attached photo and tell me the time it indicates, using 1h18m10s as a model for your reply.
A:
7h10m26s
